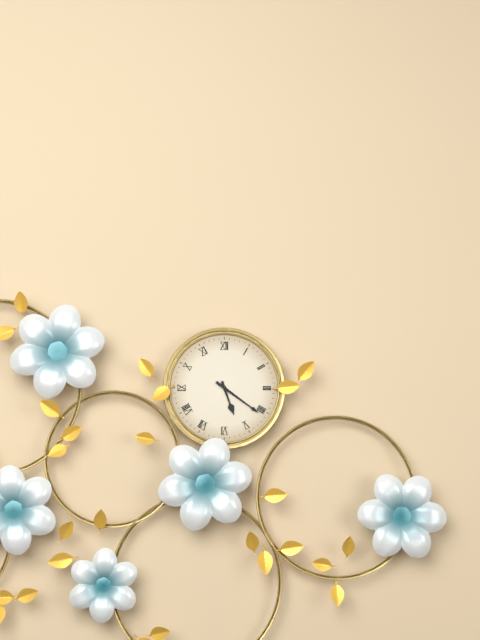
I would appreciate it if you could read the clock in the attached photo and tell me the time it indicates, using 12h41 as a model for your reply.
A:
5h21
